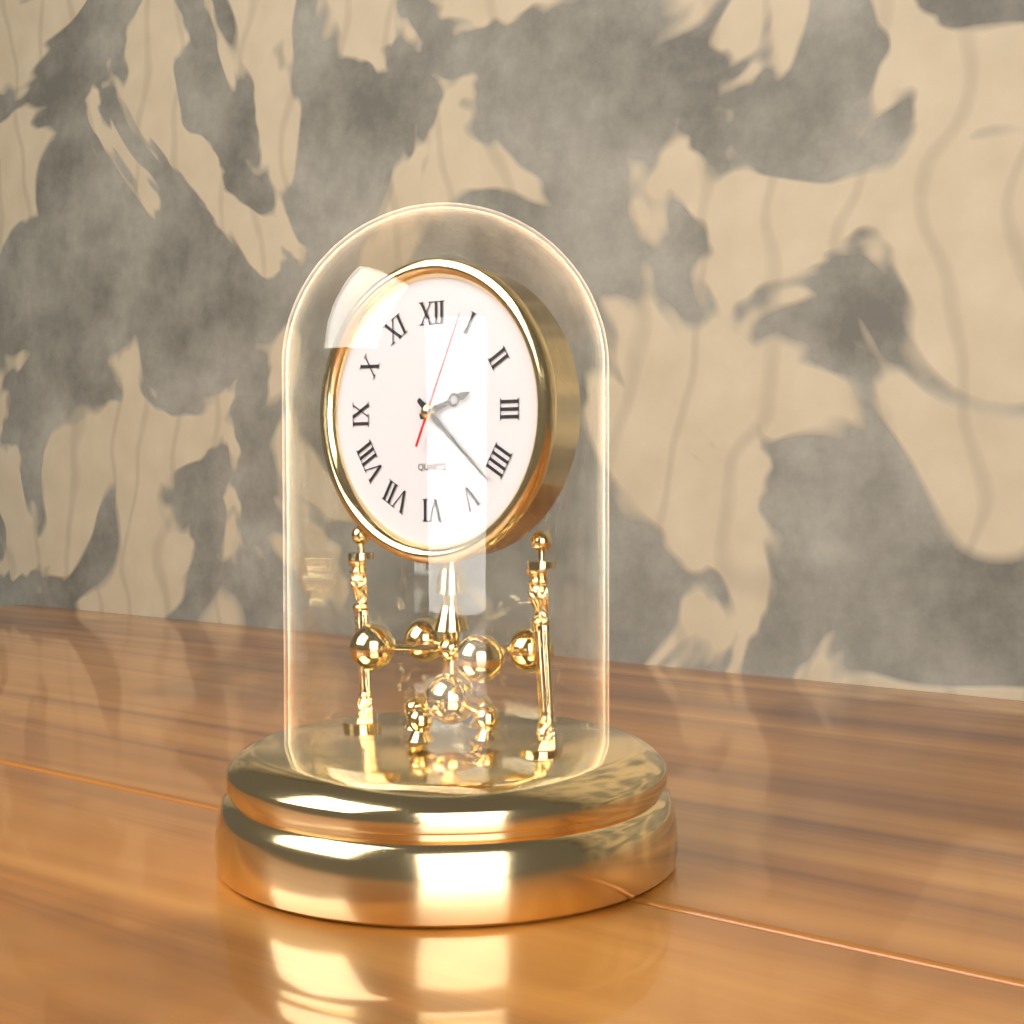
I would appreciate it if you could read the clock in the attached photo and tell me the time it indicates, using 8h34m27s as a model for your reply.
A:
2h22m04s
